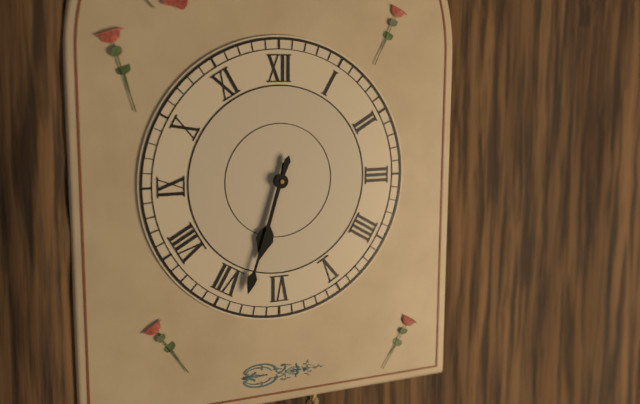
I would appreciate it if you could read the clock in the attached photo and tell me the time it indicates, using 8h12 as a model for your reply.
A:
6h33
